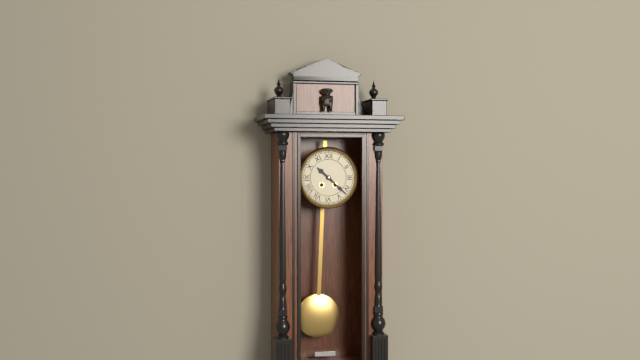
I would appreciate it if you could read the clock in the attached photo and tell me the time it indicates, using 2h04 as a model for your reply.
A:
10h22
